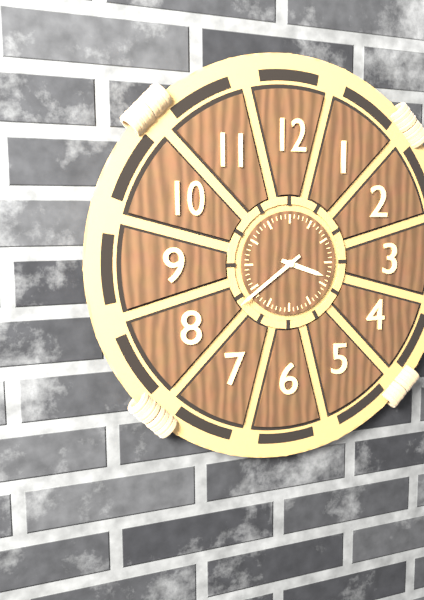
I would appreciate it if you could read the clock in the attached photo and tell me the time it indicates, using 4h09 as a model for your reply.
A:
3h39
